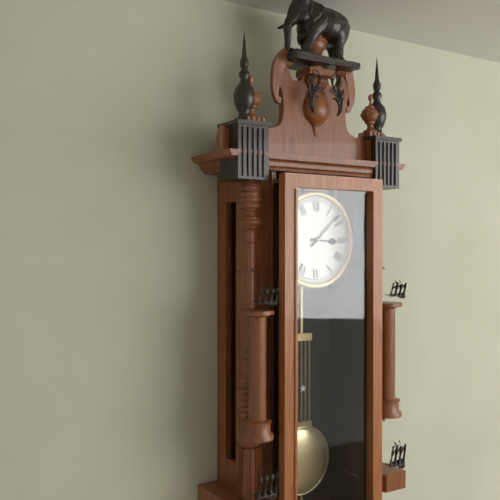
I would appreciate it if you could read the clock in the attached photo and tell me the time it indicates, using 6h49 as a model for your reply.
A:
3h08
